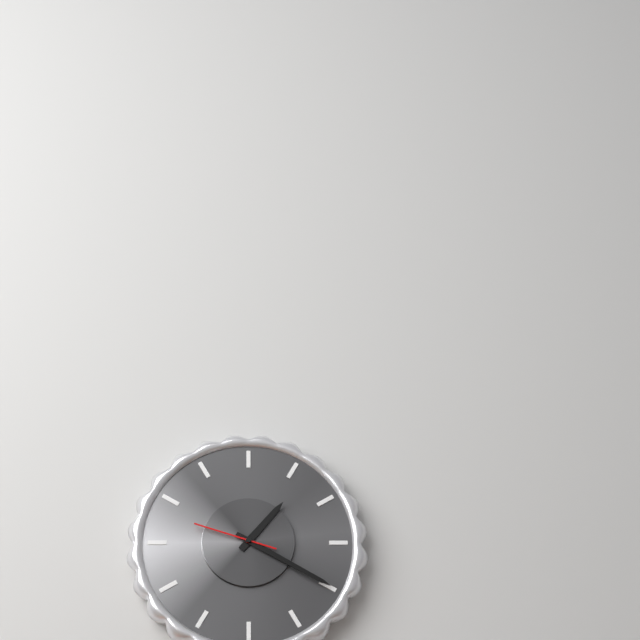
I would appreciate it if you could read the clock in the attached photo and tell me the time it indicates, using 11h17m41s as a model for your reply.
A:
1h20m48s
